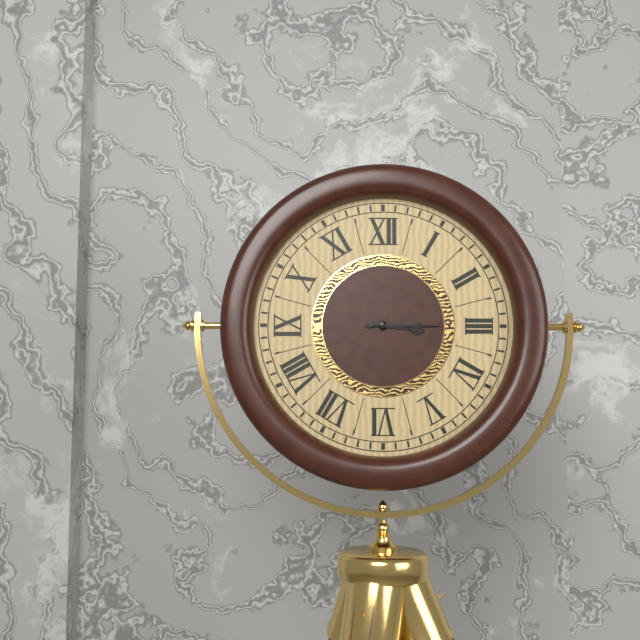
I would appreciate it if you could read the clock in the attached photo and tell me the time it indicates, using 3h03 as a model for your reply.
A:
3h15
